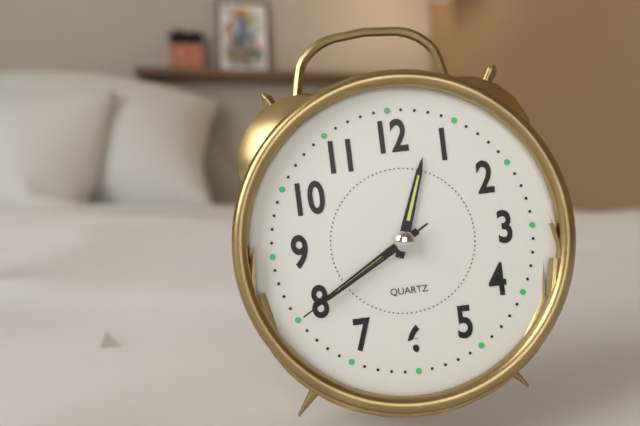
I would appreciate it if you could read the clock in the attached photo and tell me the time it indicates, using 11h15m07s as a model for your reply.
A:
12h40m40s
